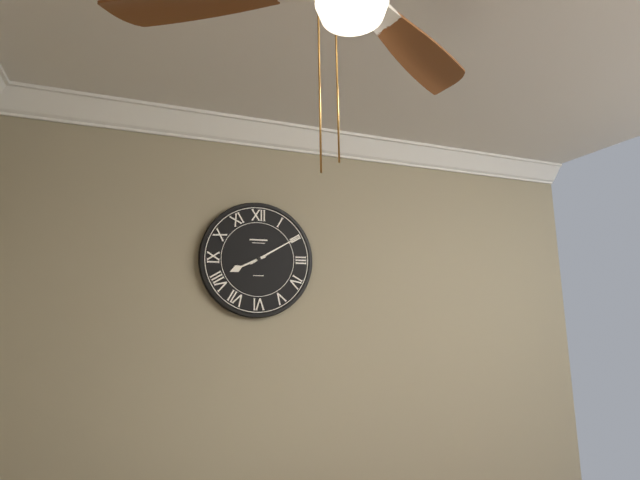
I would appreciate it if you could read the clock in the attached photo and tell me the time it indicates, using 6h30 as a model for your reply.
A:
8h10
